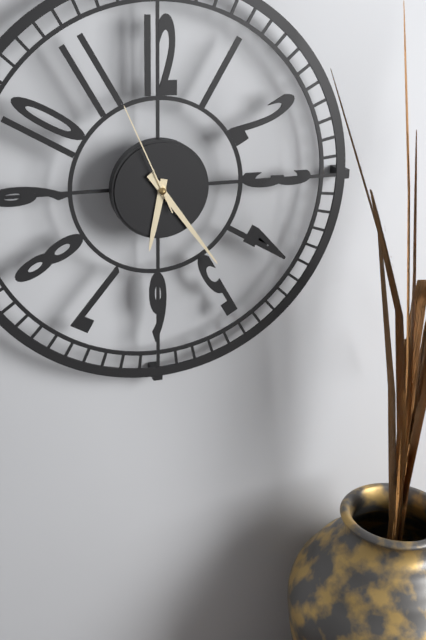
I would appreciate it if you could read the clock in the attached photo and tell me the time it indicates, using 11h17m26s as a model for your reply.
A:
6h24m56s
